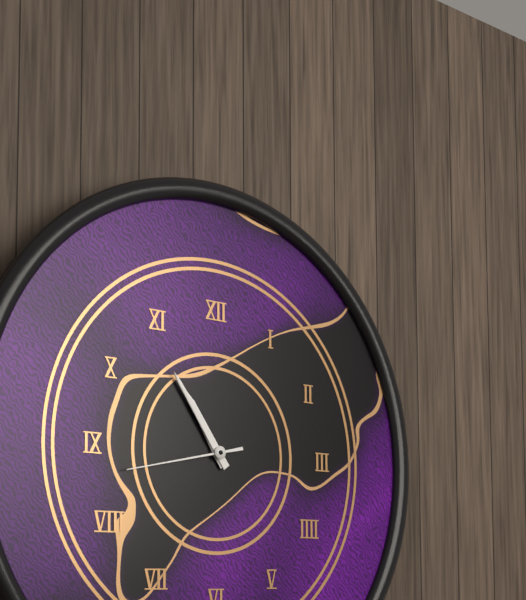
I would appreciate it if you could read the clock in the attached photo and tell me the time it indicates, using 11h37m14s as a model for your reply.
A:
10h54m43s
